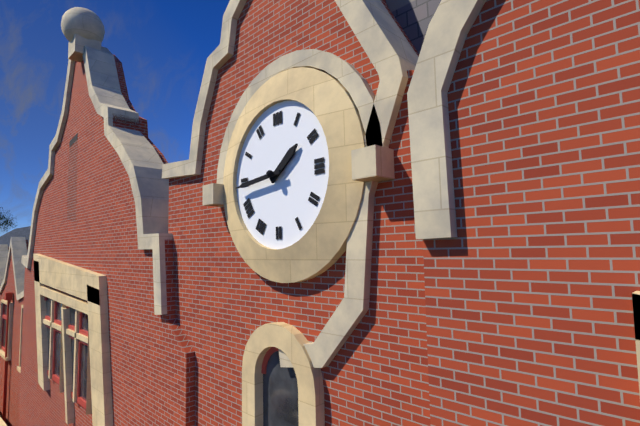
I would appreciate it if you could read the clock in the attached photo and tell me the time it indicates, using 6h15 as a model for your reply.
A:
1h44
